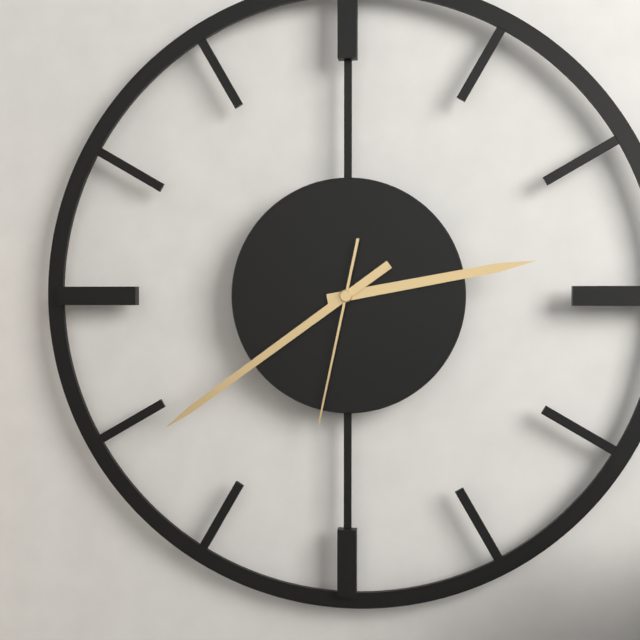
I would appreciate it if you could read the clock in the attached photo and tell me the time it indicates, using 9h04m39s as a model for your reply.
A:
2h39m32s
